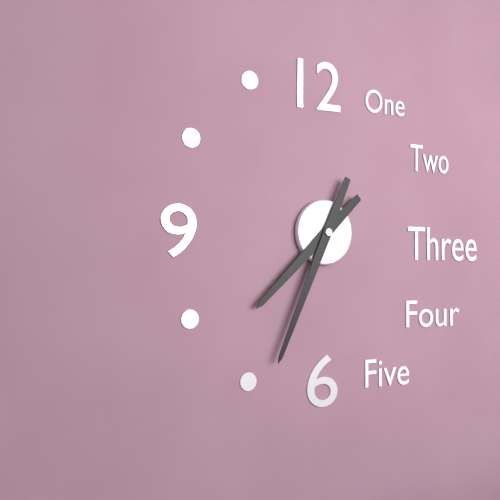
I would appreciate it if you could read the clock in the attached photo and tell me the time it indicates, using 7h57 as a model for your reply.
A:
7h34
